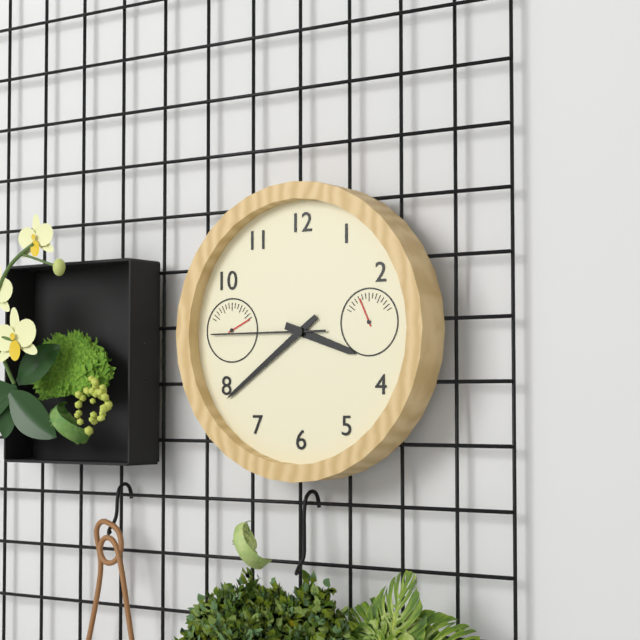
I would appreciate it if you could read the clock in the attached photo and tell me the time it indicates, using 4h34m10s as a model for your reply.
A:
3h39m45s
